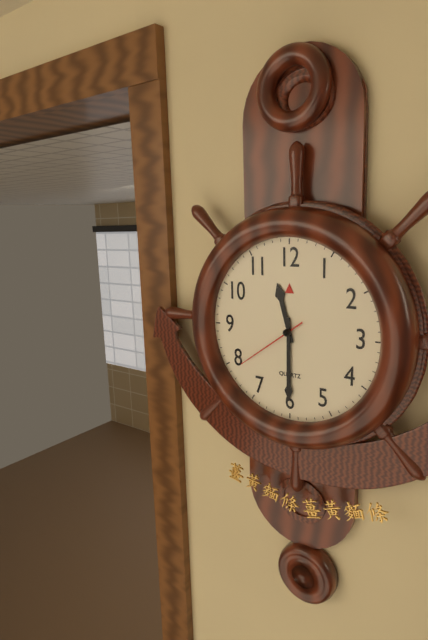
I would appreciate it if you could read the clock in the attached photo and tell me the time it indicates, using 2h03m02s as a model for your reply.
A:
11h30m39s
